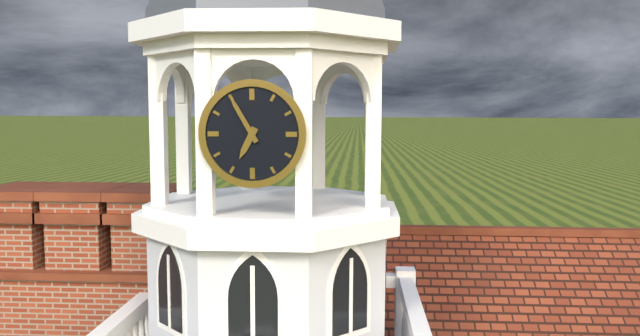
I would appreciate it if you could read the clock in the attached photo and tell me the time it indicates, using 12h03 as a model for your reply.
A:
6h55
